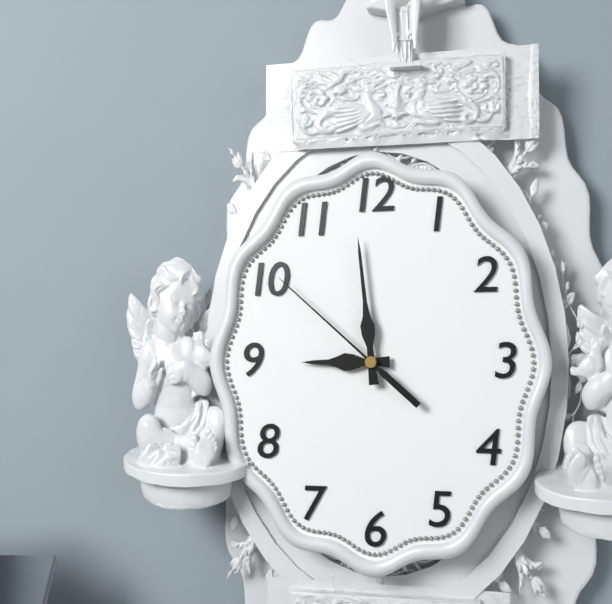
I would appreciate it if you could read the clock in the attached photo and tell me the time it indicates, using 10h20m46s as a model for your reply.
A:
8h59m52s
